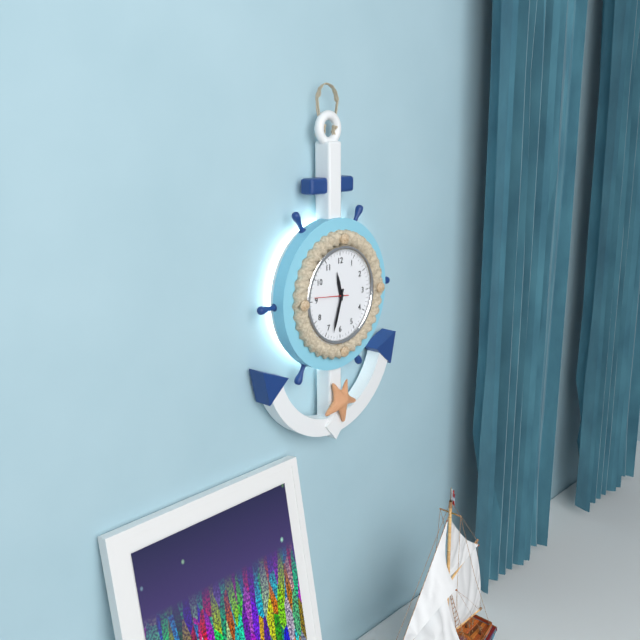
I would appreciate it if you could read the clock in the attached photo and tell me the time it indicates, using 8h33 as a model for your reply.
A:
11h33
